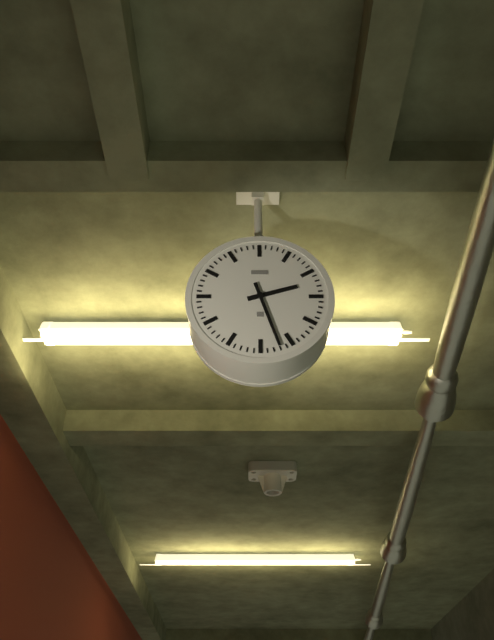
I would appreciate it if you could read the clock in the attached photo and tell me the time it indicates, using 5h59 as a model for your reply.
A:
2h27
